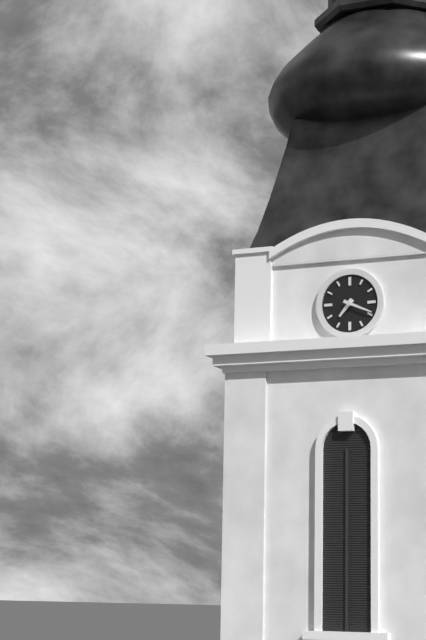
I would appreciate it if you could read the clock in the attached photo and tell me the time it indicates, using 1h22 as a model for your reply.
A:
7h19
